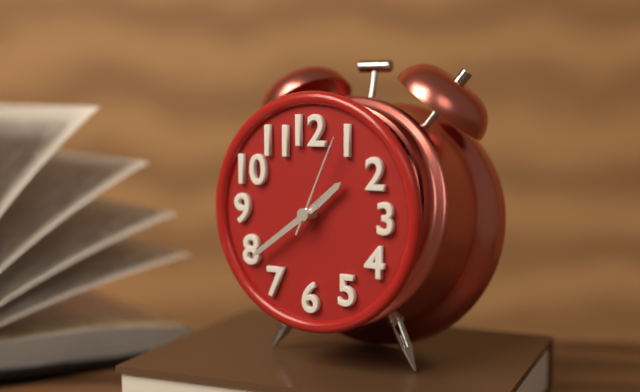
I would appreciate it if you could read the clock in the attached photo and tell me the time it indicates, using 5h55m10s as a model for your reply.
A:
1h39m04s
